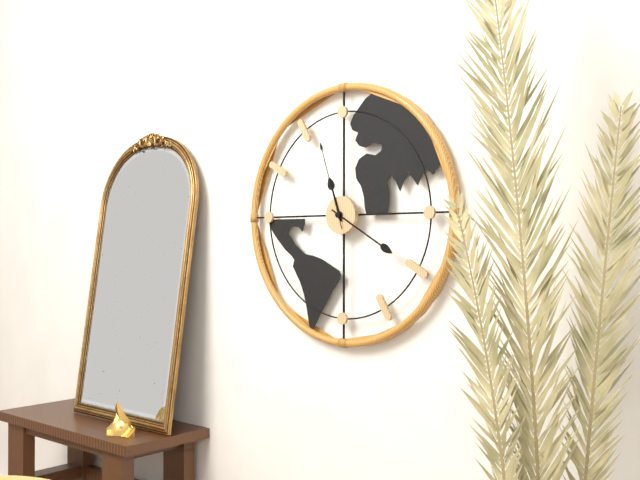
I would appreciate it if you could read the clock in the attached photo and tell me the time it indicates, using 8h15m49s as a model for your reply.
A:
11h20m57s
